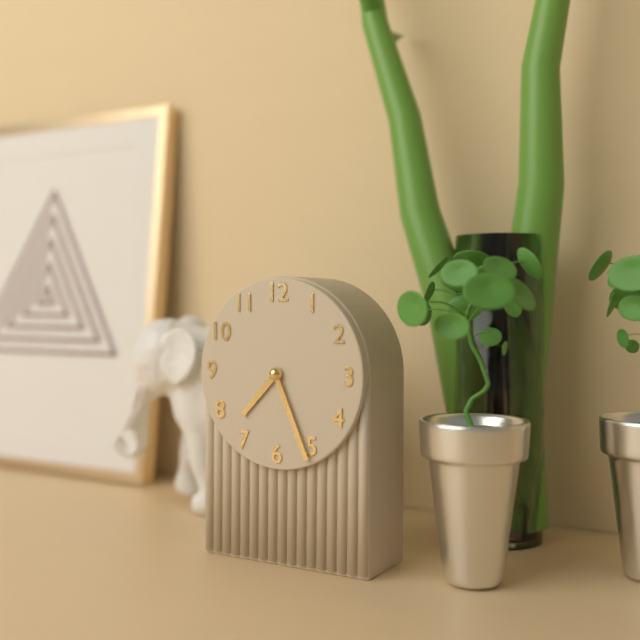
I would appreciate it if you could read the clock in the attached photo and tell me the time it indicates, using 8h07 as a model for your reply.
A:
7h26
